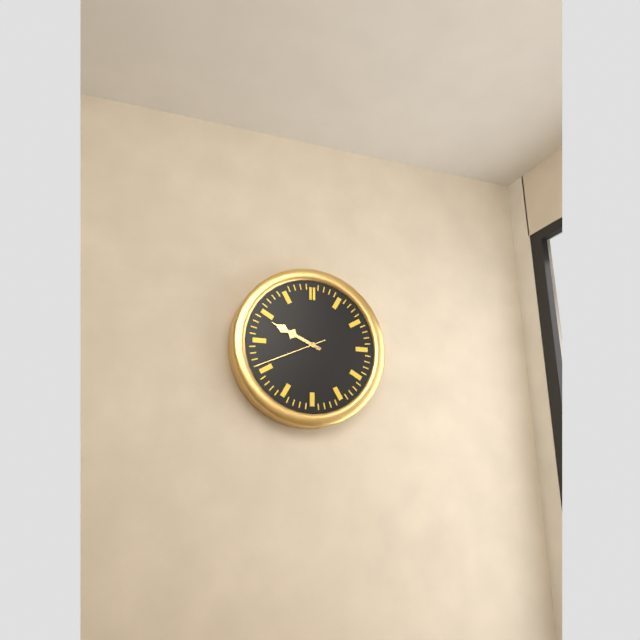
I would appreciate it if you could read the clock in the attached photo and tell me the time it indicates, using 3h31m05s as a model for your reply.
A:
9h49m41s
